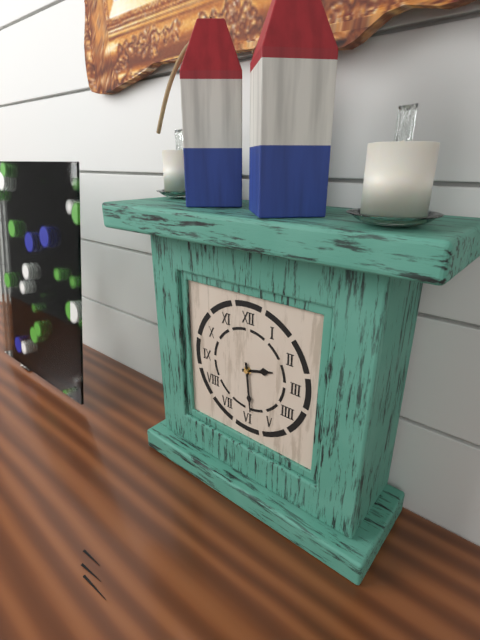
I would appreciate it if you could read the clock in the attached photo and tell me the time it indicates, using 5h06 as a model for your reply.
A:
2h29
